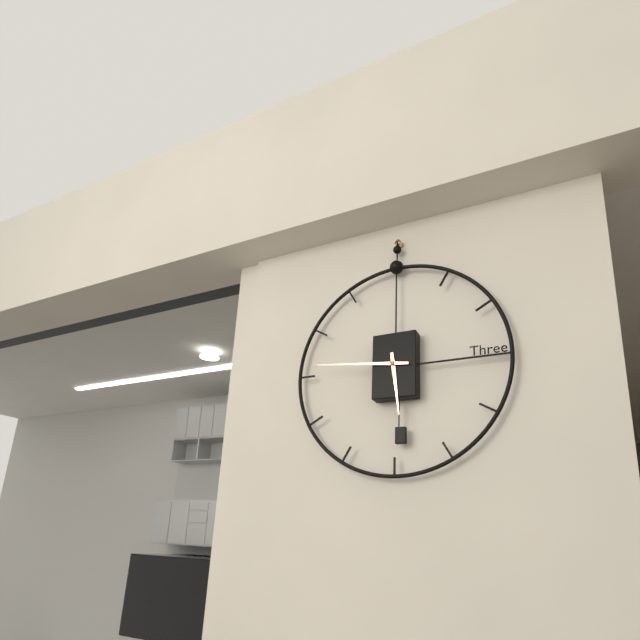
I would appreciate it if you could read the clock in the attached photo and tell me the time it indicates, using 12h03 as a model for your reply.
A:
5h46
